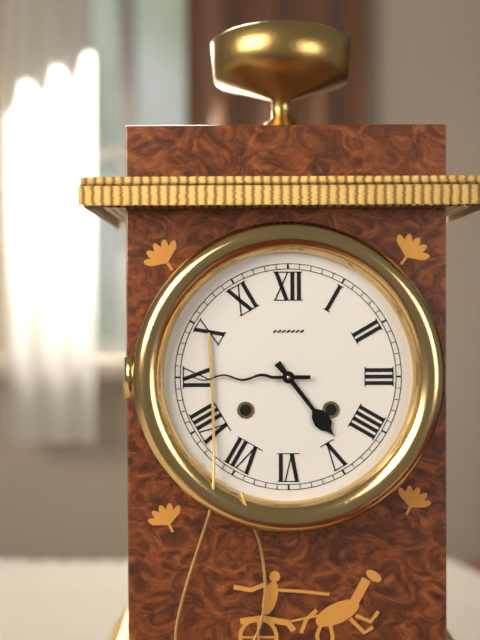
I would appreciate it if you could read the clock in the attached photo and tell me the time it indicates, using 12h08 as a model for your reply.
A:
4h45
